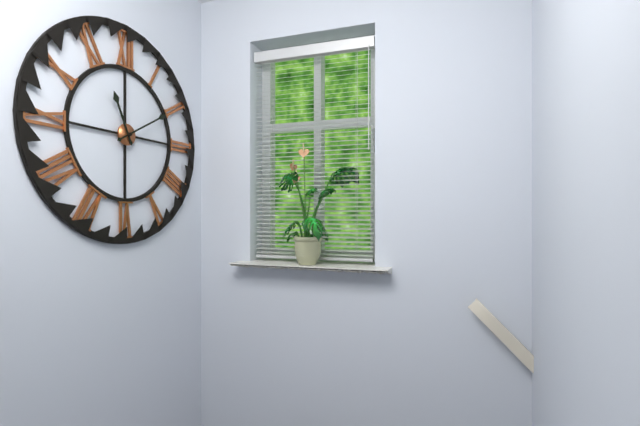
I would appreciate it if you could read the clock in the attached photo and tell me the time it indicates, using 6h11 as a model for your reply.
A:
11h10
